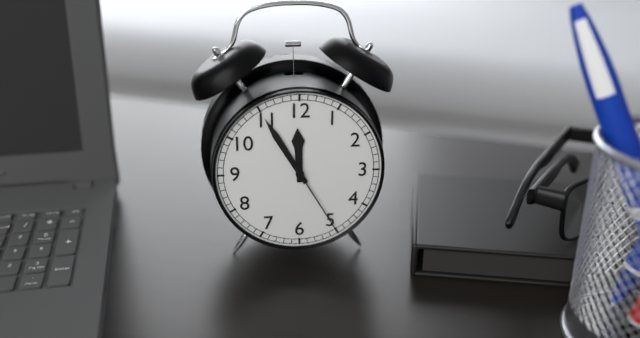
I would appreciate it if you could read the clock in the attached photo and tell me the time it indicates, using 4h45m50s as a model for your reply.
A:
11h55m25s
